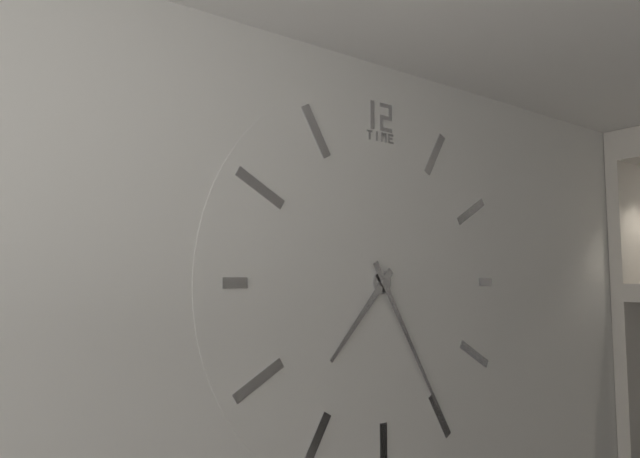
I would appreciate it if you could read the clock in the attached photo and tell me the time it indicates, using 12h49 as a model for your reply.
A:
7h25
